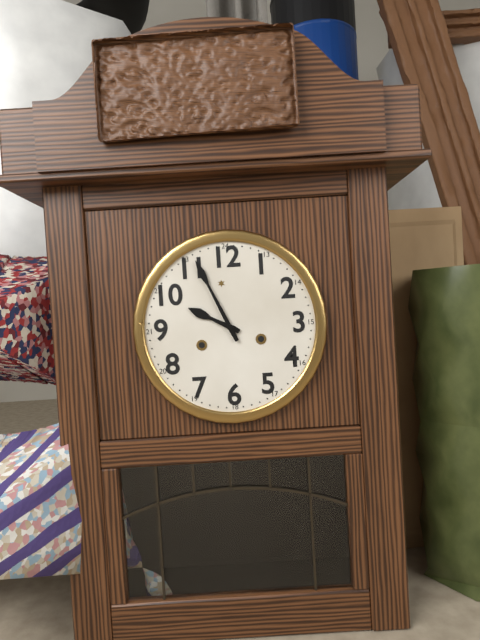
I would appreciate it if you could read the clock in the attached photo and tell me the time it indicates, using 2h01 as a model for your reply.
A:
9h56
